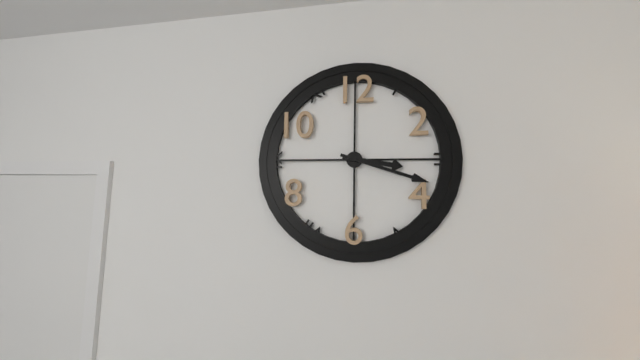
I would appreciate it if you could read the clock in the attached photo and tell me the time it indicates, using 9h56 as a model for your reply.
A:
3h18
